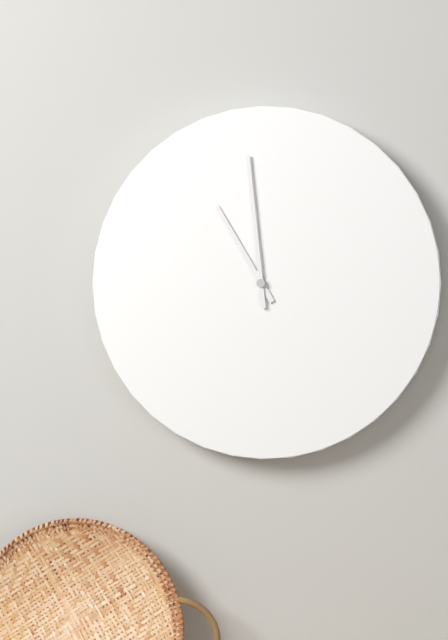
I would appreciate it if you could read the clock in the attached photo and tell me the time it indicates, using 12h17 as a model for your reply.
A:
10h59
